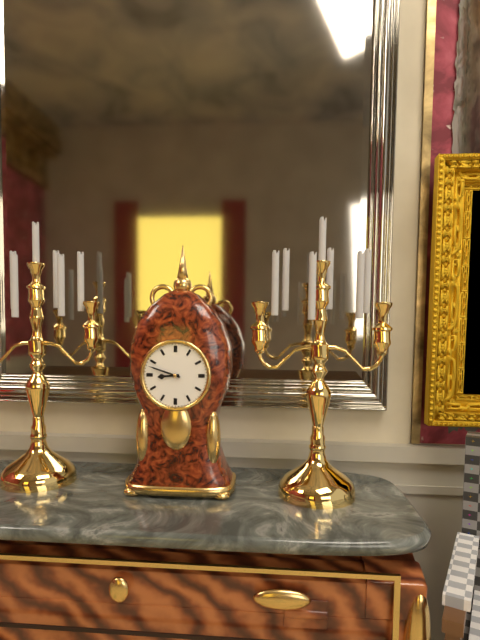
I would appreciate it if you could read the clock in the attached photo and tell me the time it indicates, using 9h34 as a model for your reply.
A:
8h48
